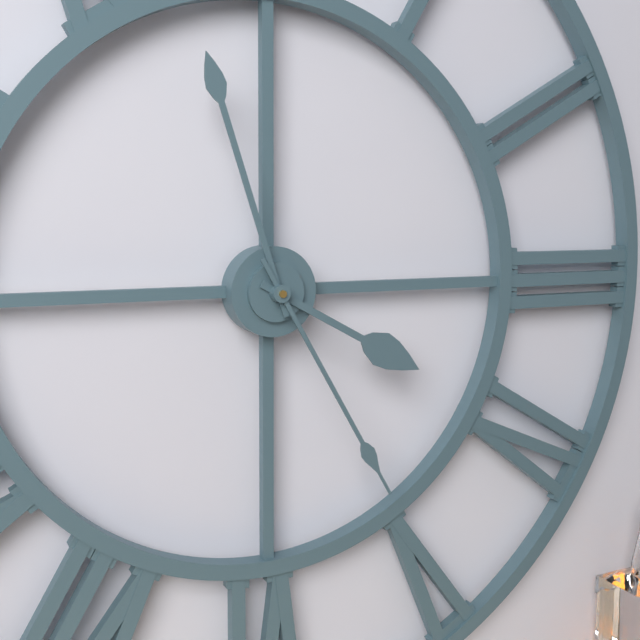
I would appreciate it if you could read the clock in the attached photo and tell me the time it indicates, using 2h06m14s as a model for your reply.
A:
3h57m25s
